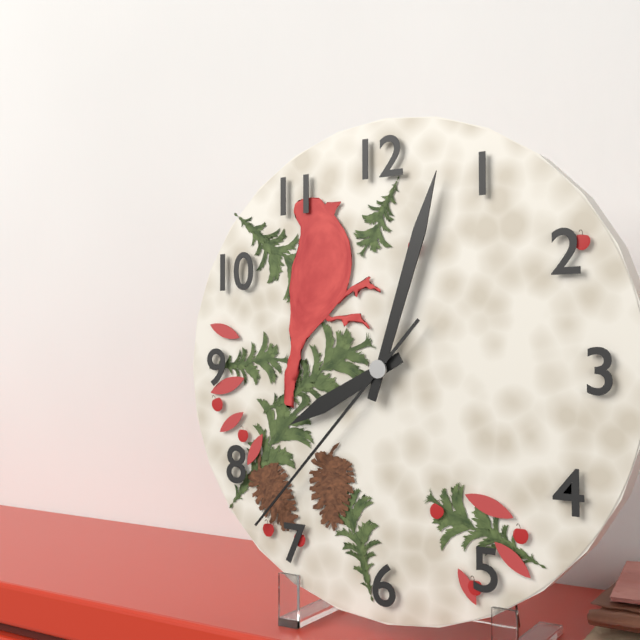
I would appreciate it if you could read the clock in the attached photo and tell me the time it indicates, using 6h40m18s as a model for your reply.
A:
8h03m37s
